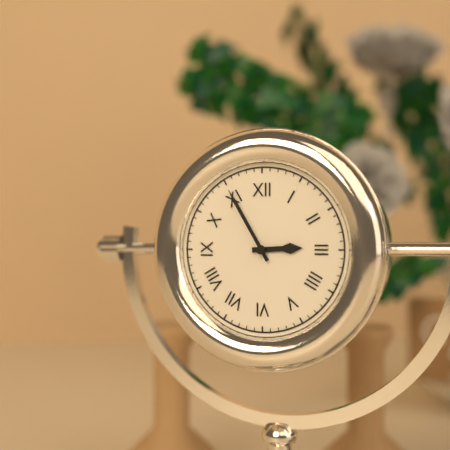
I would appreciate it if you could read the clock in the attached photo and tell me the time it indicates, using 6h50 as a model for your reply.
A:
2h55
